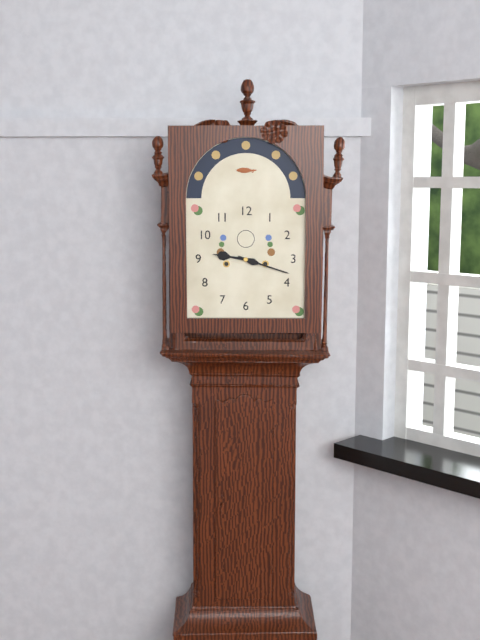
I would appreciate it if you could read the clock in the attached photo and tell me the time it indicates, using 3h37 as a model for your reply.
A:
9h18
